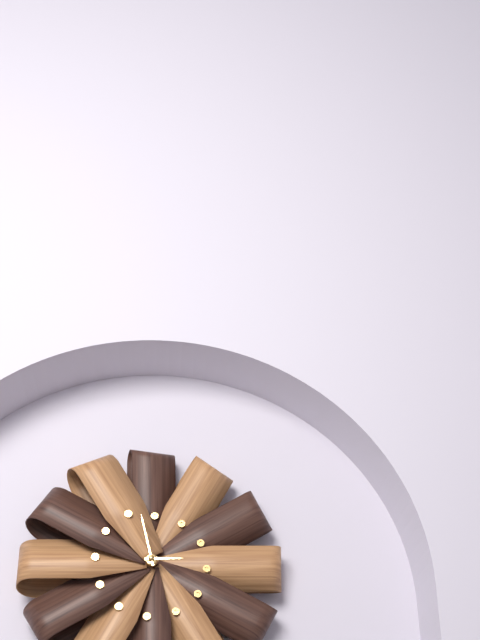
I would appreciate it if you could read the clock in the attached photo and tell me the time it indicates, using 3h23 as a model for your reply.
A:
2h58
